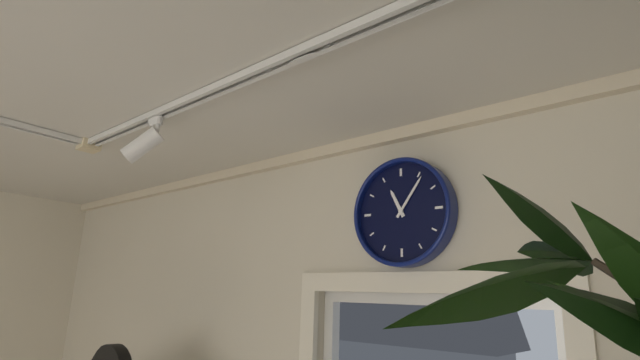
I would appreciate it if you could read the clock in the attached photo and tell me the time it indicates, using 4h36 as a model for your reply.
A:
11h06
